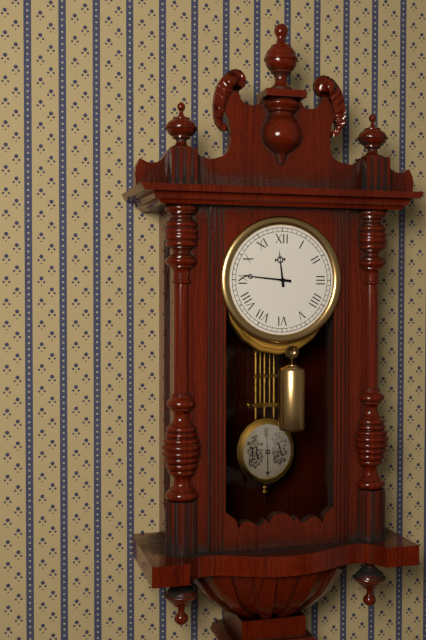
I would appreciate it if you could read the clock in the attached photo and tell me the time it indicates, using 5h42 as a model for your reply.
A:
11h46
